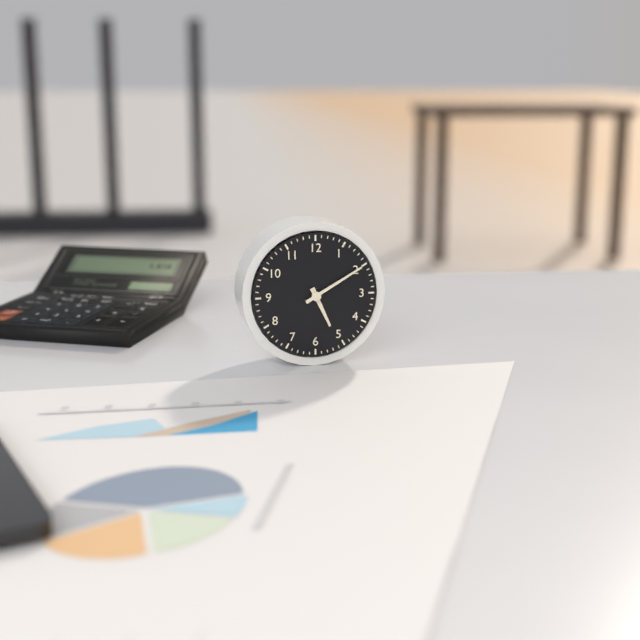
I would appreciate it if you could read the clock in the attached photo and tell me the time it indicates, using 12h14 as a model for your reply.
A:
5h10
